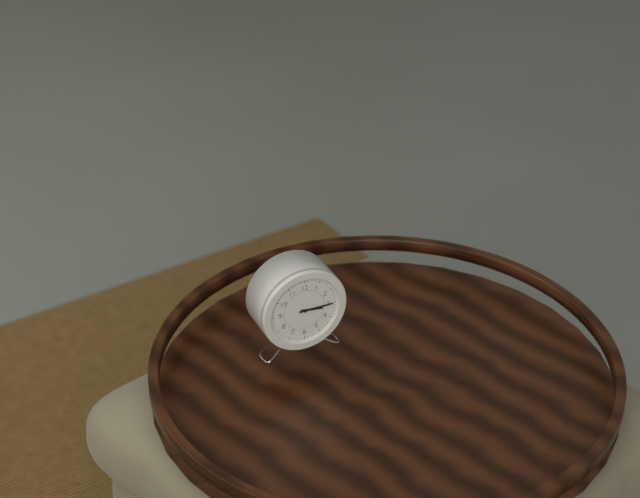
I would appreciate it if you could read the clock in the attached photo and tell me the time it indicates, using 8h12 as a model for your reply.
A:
3h15
